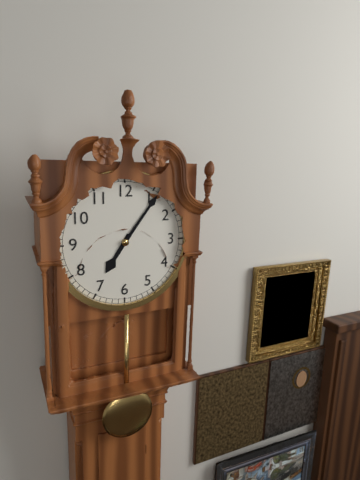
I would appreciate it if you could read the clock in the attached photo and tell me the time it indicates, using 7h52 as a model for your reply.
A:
7h06
